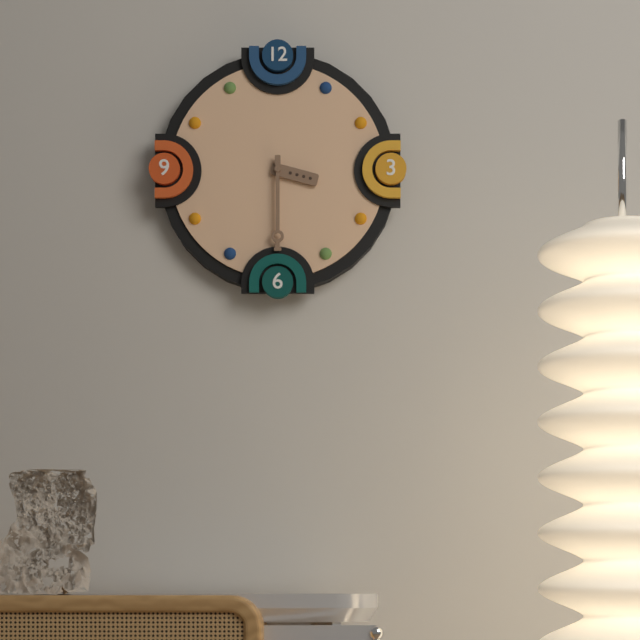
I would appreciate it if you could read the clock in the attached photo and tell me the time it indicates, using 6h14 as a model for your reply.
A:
3h30
